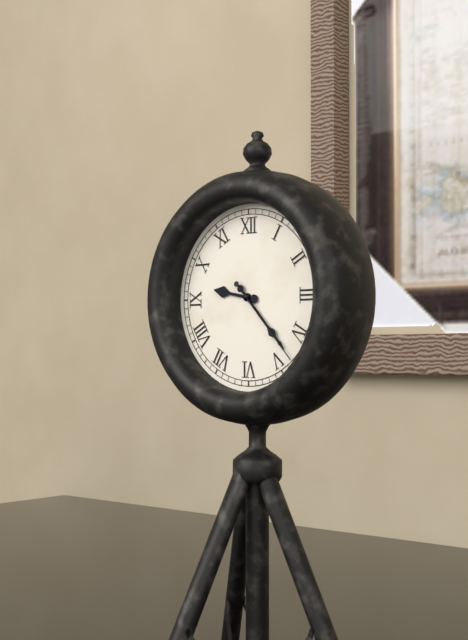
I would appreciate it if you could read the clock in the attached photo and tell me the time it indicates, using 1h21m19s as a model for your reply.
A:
9h23m23s
